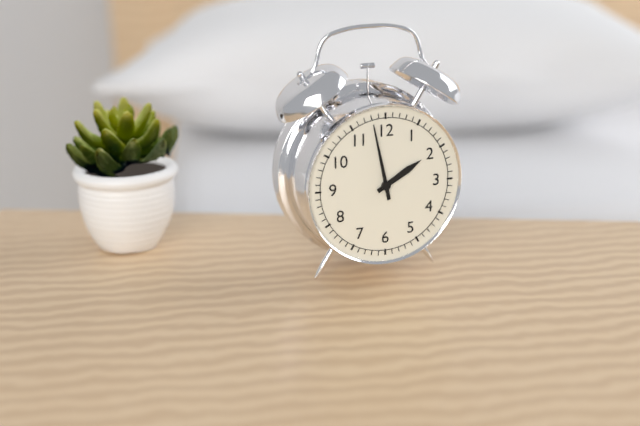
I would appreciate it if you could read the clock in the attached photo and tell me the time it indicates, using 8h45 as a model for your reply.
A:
1h58
